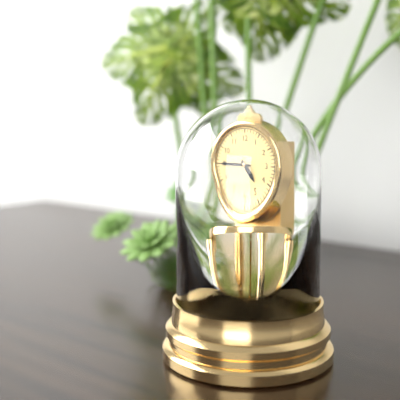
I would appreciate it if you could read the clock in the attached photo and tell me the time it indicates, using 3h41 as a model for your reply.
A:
4h45
